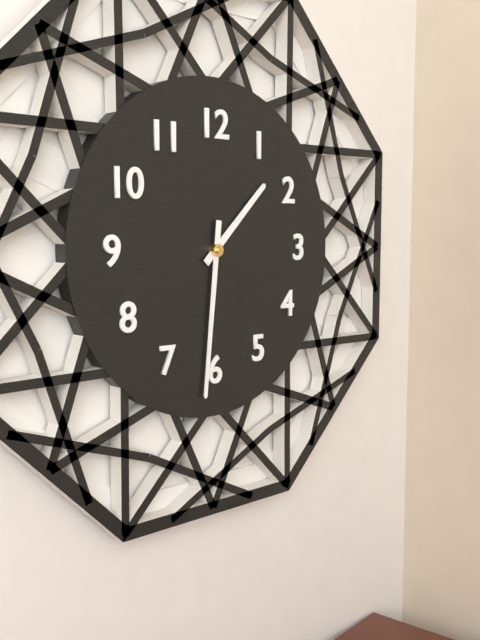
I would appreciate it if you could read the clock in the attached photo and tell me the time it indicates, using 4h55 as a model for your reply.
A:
1h31
